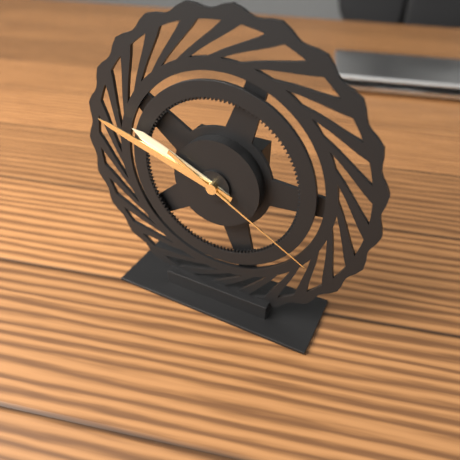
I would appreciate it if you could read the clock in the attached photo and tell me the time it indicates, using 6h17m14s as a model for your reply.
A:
9h48m20s
